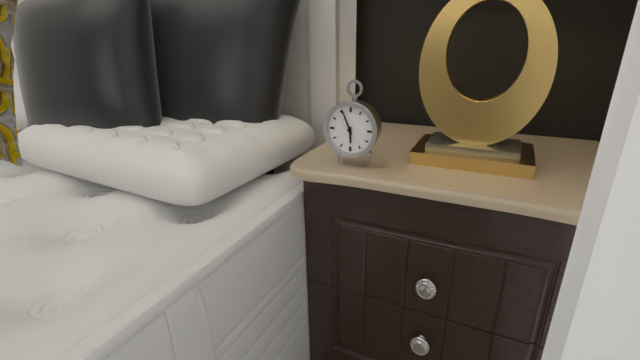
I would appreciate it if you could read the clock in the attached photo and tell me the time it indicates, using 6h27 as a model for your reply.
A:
5h56
